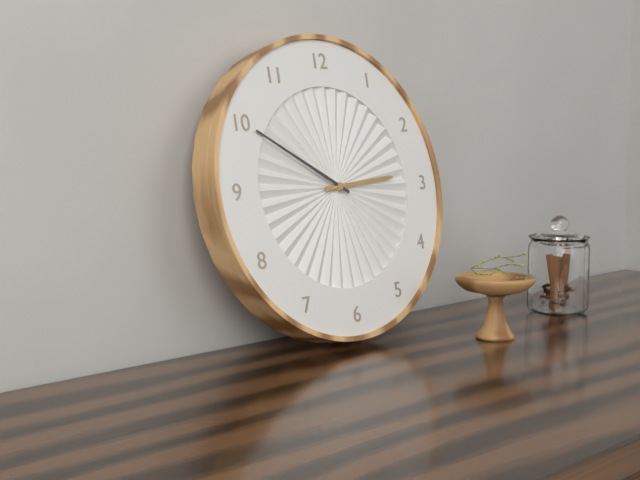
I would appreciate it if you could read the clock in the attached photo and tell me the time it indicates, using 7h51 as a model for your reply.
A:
2h50
